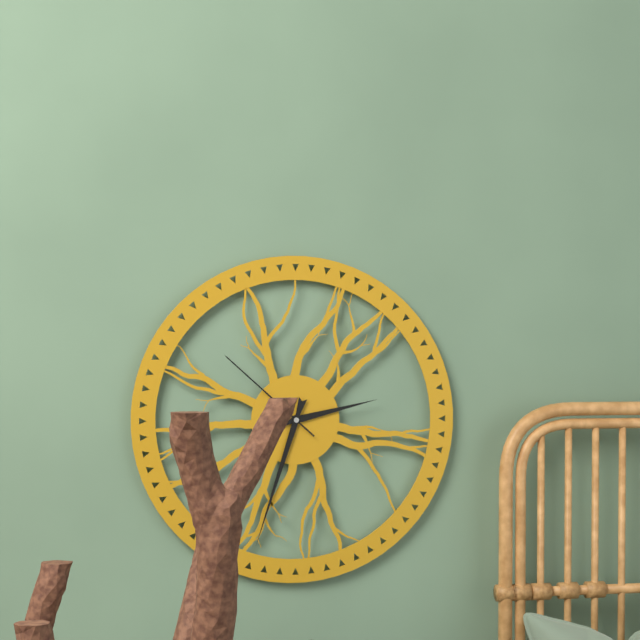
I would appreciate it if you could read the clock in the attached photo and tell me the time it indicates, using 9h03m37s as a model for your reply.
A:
2h33m52s
